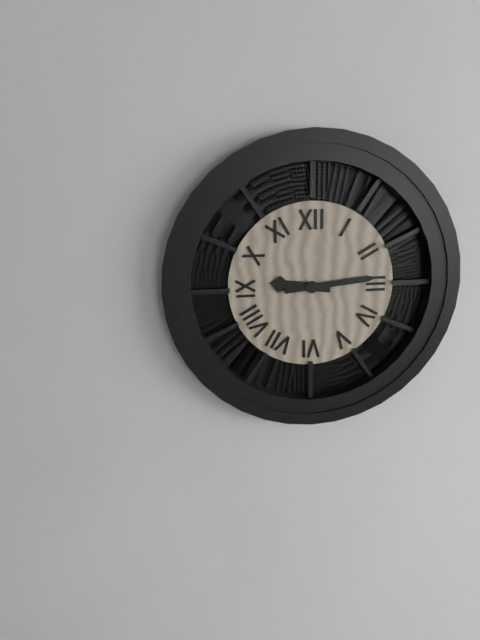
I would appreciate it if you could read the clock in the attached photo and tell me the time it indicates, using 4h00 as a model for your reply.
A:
9h14
